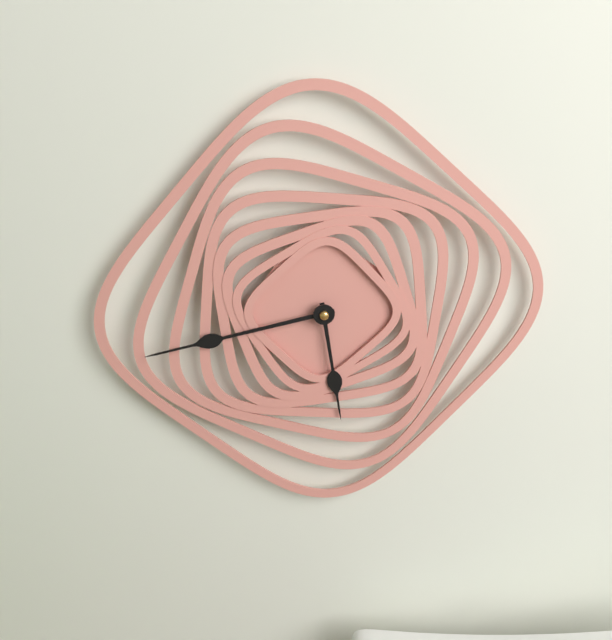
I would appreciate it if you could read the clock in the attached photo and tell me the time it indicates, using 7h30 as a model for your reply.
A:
5h43
